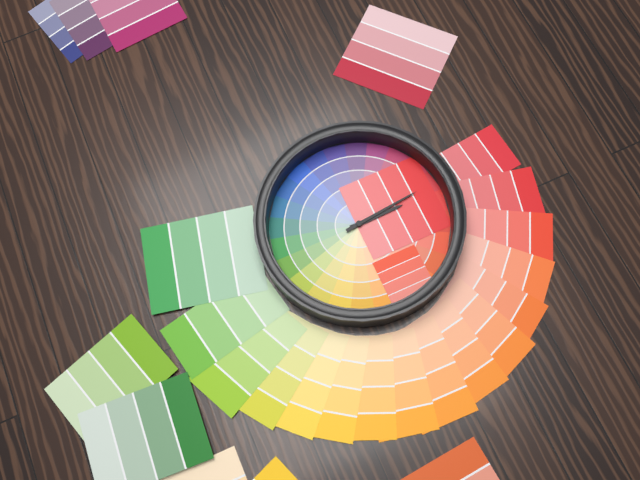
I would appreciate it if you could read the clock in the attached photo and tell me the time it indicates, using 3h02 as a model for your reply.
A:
11h59
